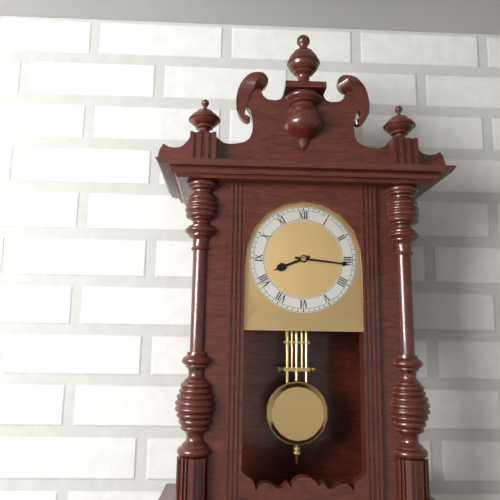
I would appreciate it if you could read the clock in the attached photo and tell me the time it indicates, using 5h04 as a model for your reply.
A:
8h16
